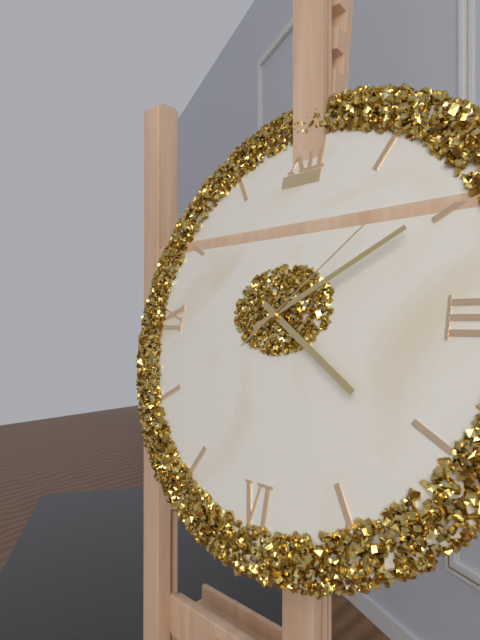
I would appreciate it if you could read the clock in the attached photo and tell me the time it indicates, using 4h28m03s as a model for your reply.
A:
4h10m08s
